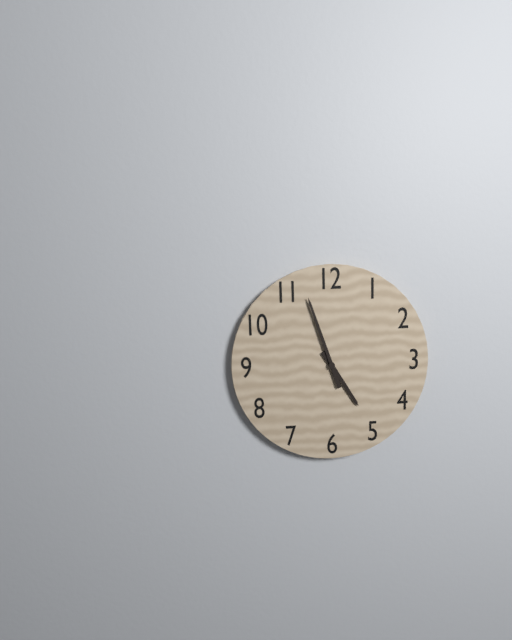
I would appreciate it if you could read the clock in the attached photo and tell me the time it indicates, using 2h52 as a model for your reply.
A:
4h57
